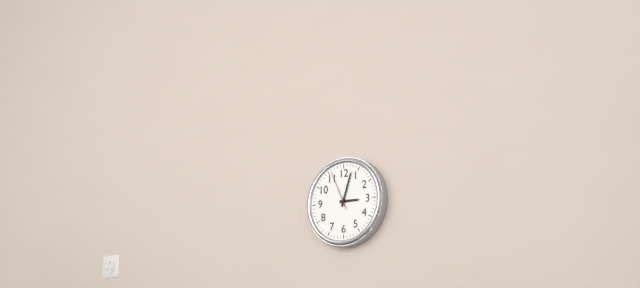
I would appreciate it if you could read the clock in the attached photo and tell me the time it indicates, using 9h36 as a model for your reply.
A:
3h03
